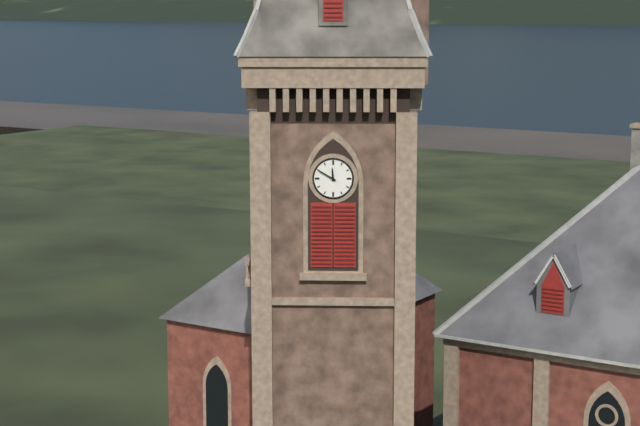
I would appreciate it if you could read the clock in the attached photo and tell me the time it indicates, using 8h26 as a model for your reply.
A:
11h50
